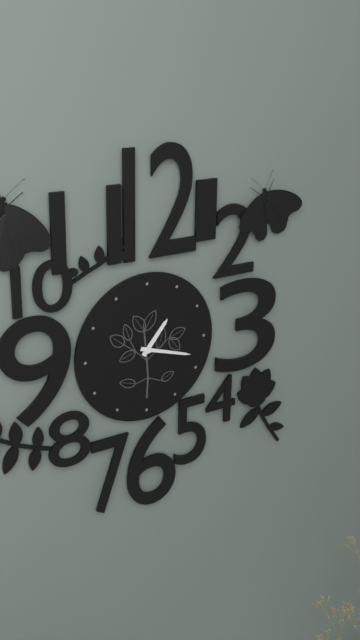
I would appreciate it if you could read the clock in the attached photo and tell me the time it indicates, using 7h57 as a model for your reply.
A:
1h18
